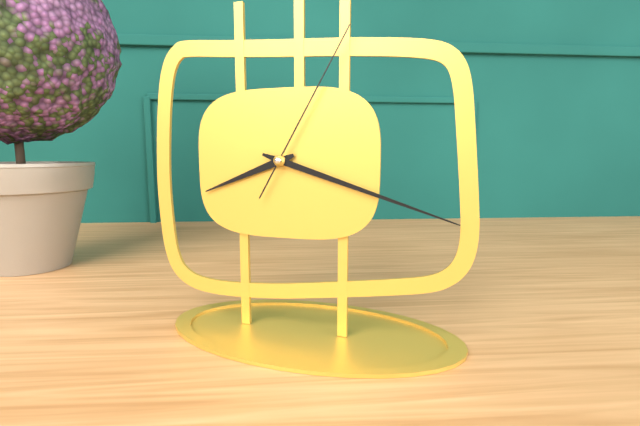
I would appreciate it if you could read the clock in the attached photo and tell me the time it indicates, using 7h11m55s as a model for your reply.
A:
8h18m05s
